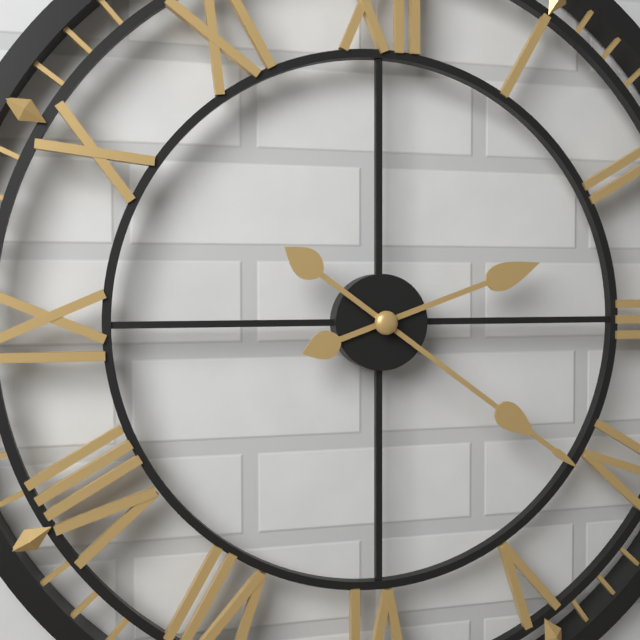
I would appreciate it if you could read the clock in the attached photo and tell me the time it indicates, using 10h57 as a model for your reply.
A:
2h21
